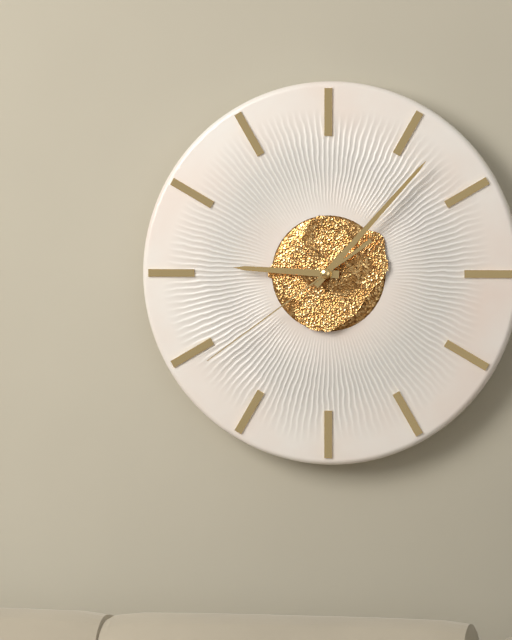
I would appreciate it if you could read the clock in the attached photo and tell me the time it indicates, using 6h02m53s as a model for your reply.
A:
9h07m39s
